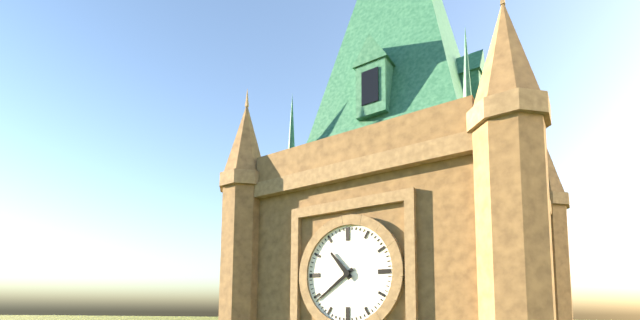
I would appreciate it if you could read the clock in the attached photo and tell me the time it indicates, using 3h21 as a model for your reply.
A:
10h39
